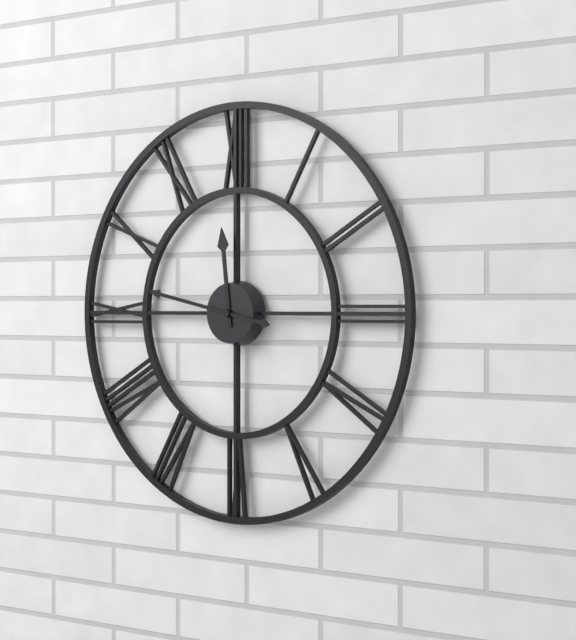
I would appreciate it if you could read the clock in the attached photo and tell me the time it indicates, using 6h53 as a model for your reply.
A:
11h47
